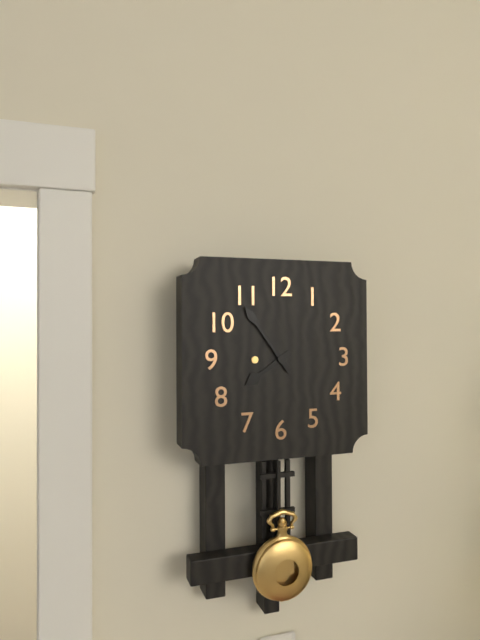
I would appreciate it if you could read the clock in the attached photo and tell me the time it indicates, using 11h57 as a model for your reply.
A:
7h54
